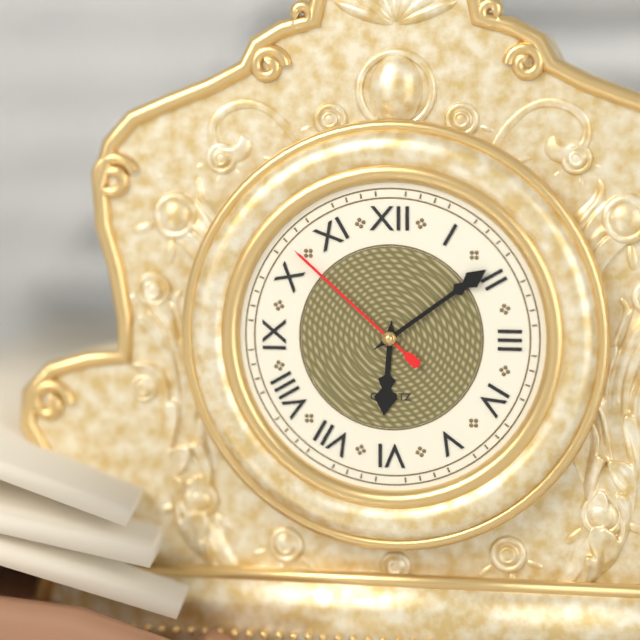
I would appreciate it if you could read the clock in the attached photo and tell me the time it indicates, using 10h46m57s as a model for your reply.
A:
6h09m52s
